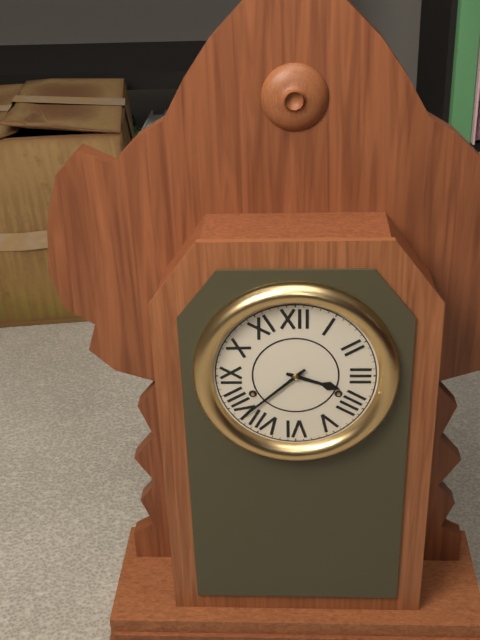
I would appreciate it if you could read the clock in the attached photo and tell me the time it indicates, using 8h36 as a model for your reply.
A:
3h38
